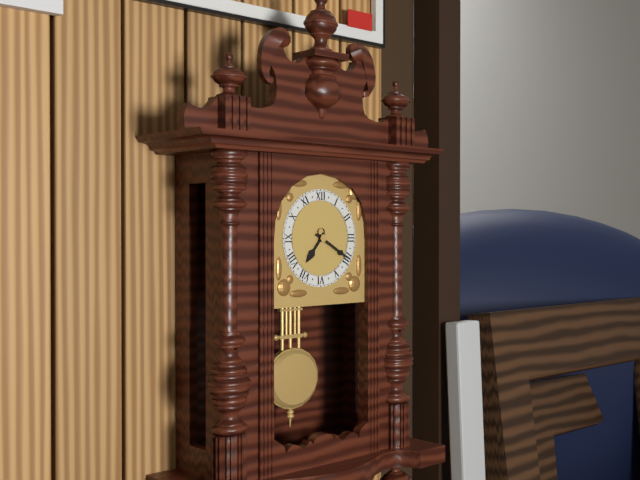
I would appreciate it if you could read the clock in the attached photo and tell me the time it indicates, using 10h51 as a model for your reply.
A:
7h20
